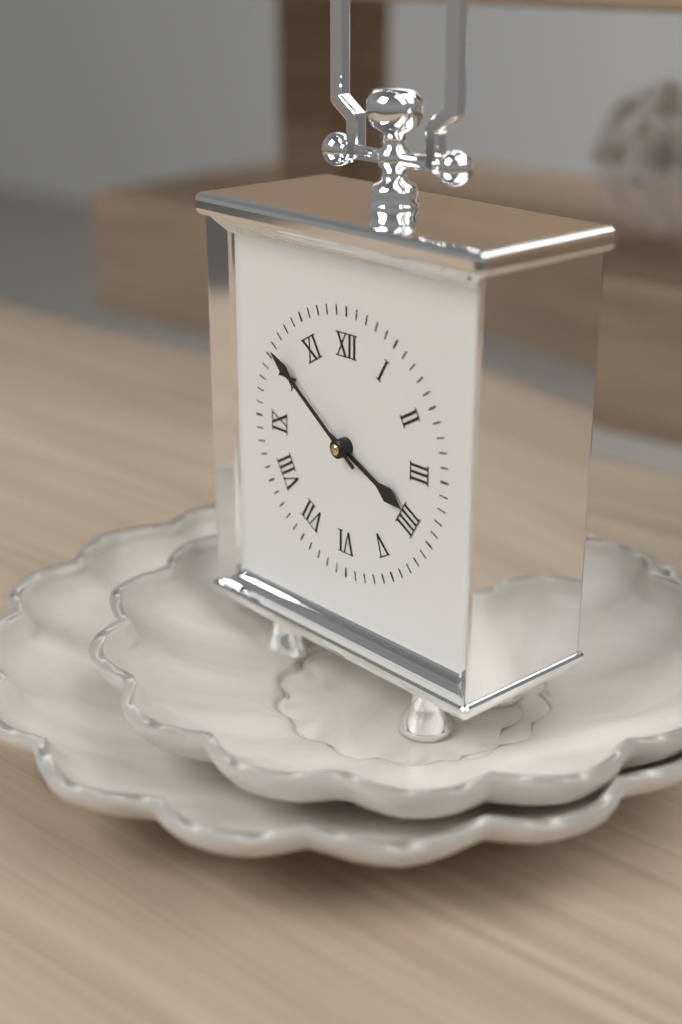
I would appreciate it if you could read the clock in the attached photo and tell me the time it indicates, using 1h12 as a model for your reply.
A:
3h51
